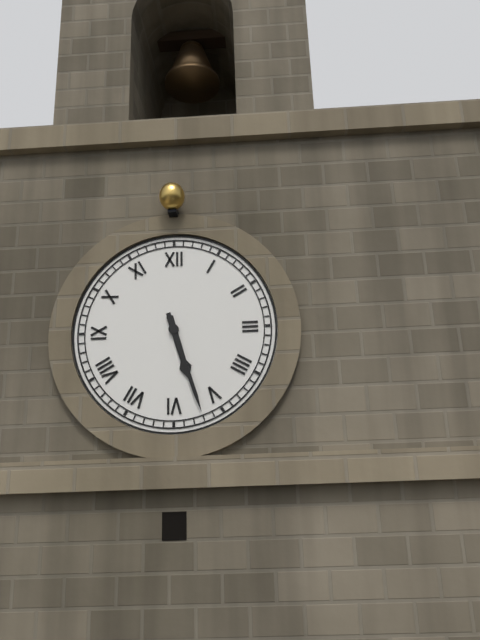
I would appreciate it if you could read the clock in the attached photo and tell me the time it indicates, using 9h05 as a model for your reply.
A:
5h27
